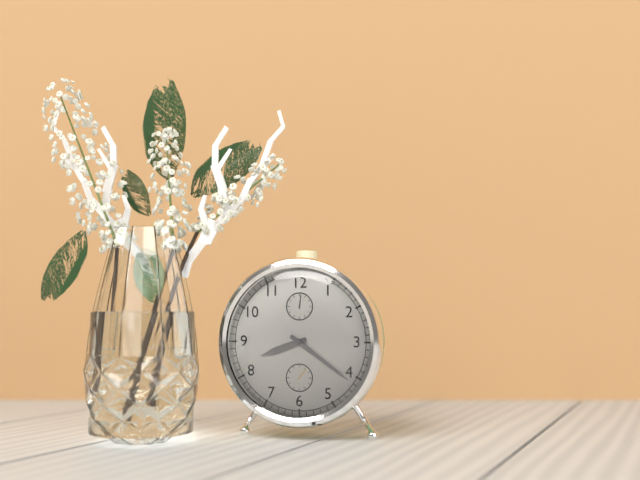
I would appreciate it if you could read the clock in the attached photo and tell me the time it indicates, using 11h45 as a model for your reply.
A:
8h21
